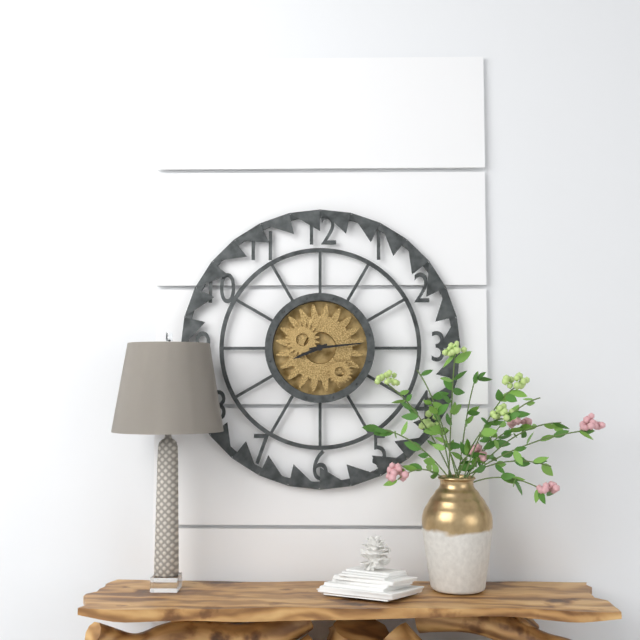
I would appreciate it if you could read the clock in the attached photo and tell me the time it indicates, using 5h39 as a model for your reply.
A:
8h14
